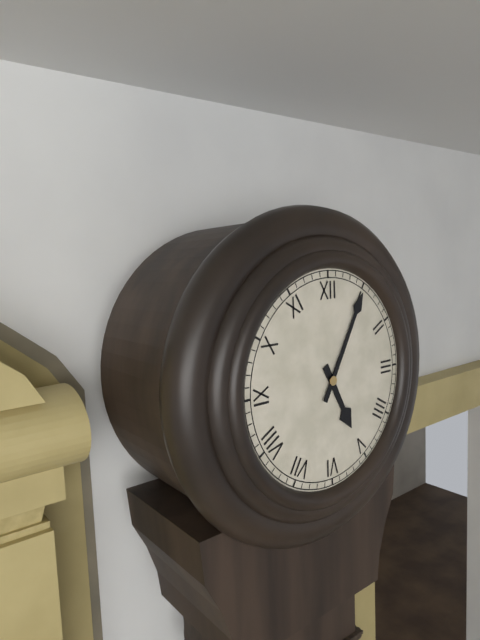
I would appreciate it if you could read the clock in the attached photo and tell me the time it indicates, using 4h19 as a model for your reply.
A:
5h05
